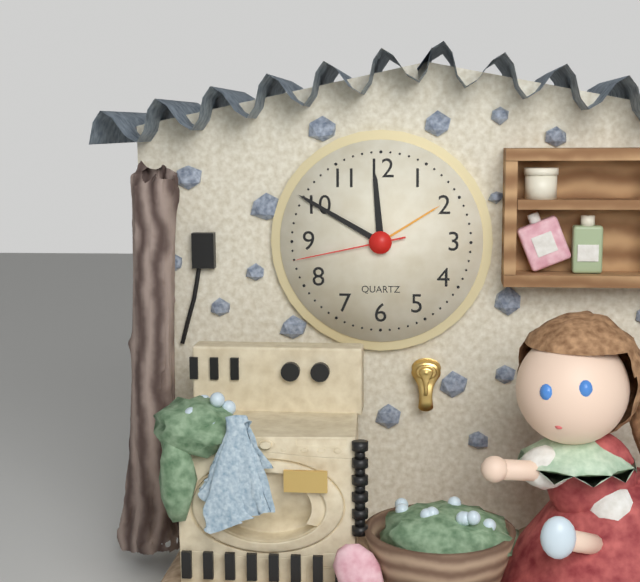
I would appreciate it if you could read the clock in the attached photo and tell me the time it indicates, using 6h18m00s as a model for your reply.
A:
11h50m43s
